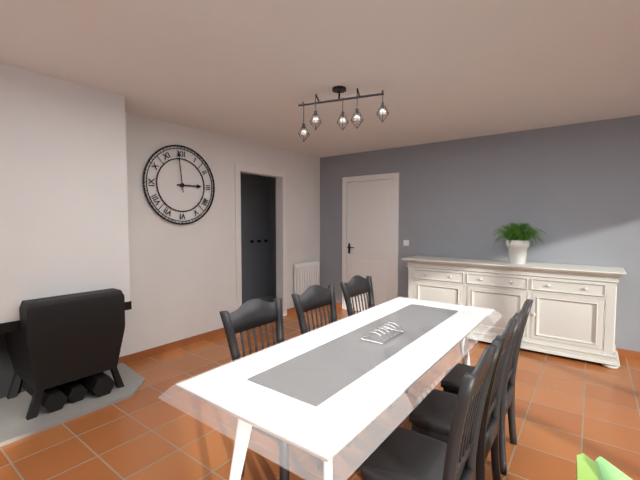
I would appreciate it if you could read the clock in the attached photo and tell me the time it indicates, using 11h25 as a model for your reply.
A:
2h59
